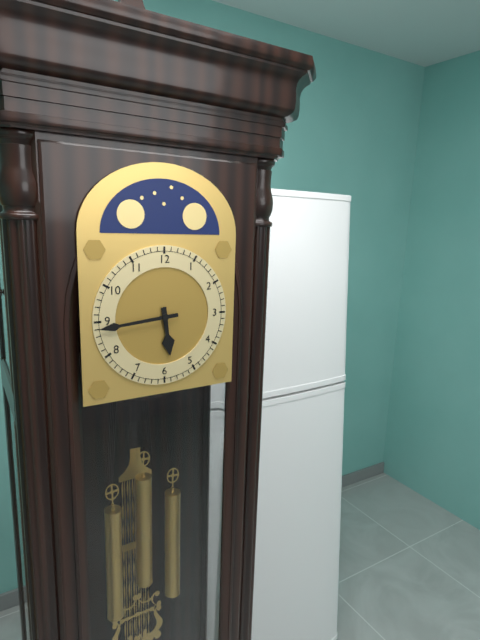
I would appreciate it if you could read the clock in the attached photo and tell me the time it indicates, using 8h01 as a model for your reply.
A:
5h44
